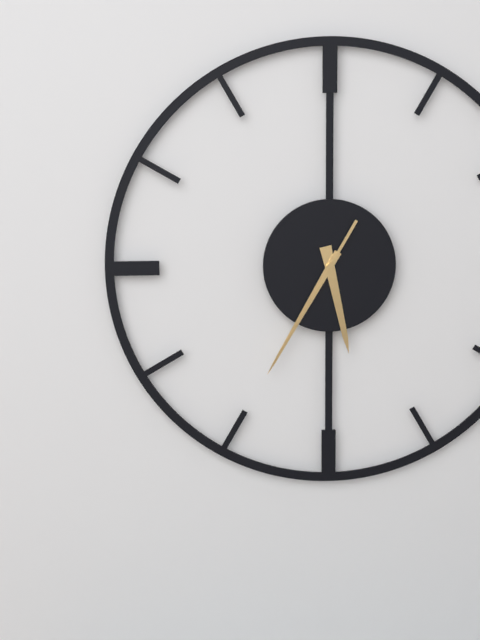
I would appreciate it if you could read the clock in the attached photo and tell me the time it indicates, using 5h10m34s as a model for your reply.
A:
5h35m35s
